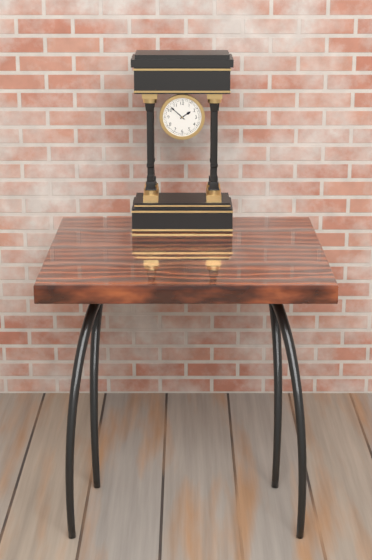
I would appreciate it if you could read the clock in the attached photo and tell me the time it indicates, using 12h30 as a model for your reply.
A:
1h52
